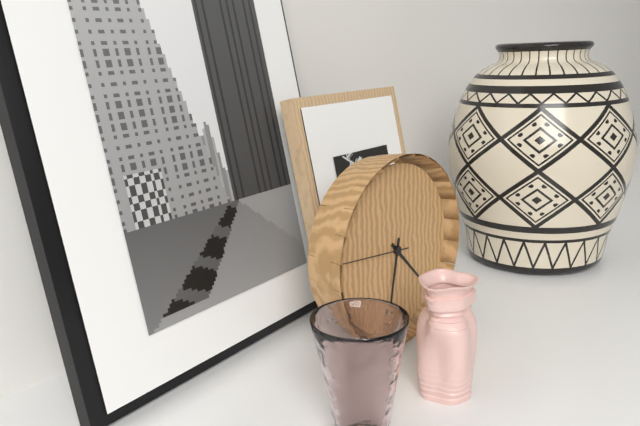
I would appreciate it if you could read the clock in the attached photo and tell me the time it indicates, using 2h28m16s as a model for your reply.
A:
4h32m46s
